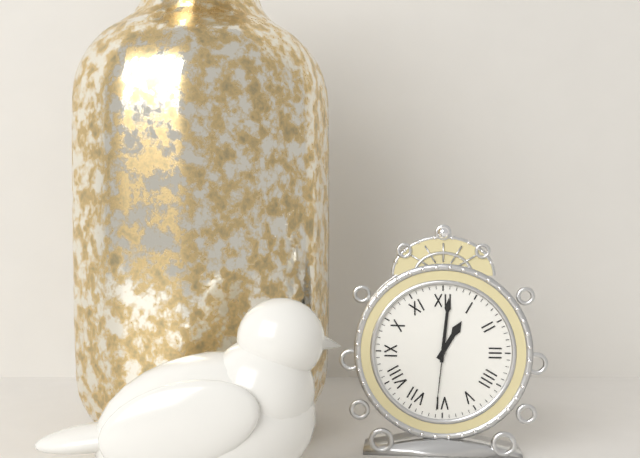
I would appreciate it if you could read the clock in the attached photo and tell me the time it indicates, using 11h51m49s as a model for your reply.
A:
1h01m31s
